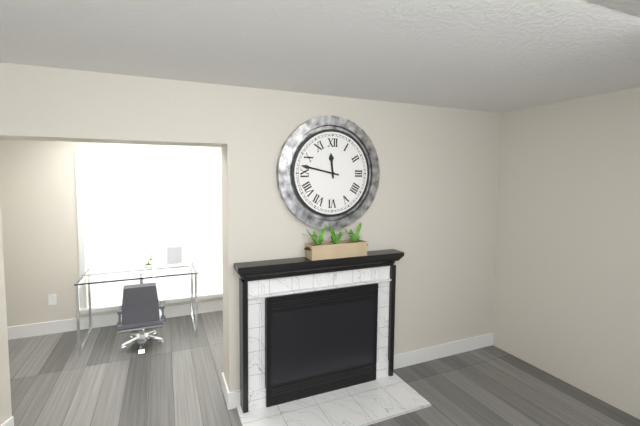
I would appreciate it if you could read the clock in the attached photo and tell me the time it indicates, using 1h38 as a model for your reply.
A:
11h47
